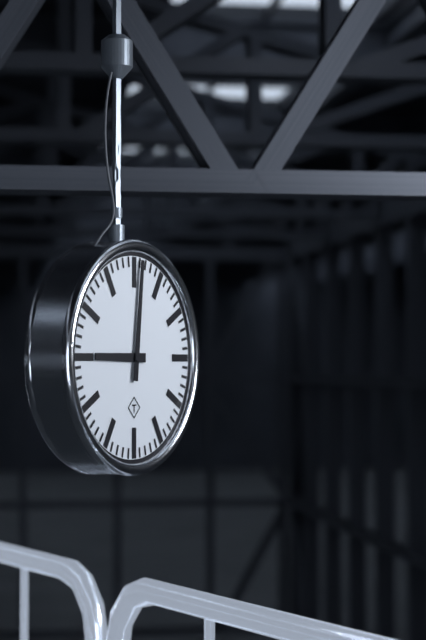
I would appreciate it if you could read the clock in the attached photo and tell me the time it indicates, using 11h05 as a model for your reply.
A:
9h01
